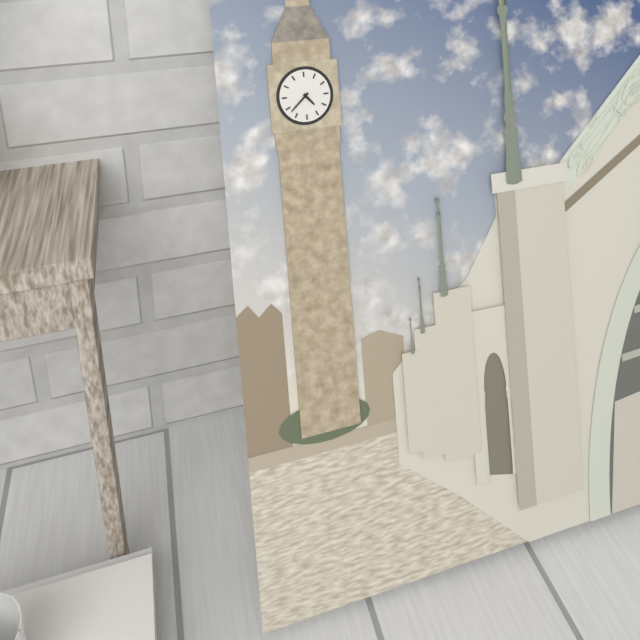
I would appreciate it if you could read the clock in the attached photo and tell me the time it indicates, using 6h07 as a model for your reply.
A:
4h38
